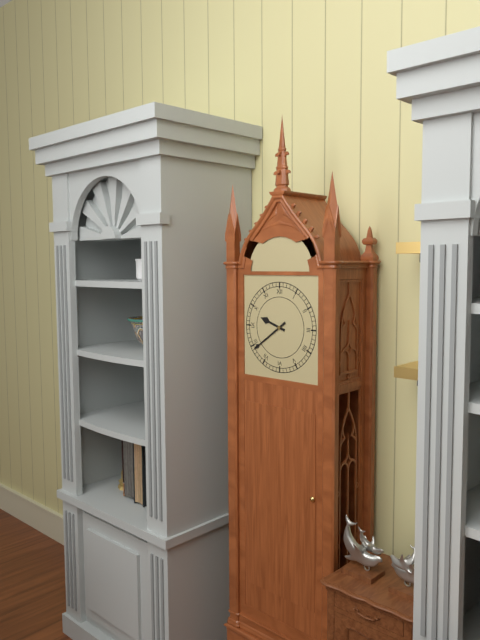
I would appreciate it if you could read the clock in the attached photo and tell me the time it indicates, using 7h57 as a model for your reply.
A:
9h39
